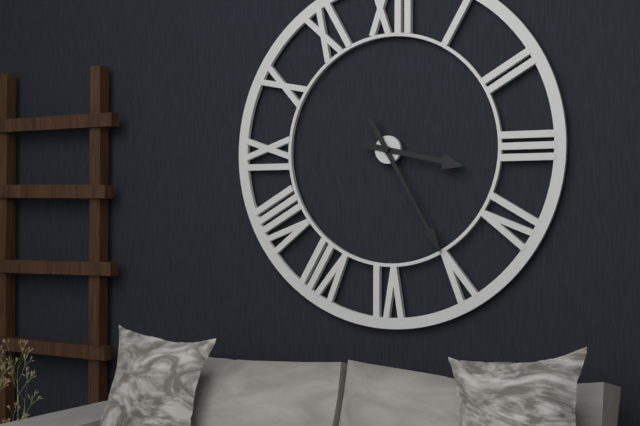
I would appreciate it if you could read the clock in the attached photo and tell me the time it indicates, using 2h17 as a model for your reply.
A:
3h25
